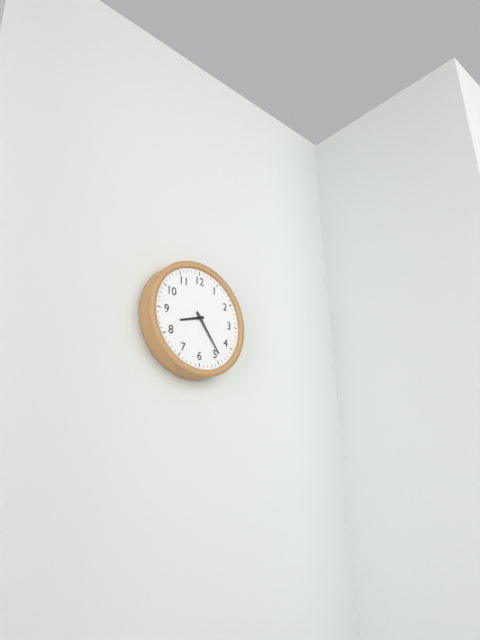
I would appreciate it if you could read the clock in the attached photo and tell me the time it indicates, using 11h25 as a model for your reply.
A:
8h24
